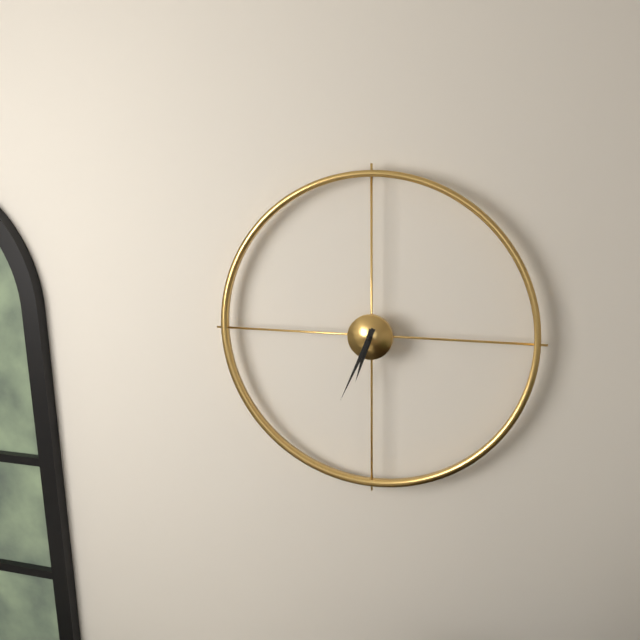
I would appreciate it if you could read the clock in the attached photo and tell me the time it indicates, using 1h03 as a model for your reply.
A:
6h34
